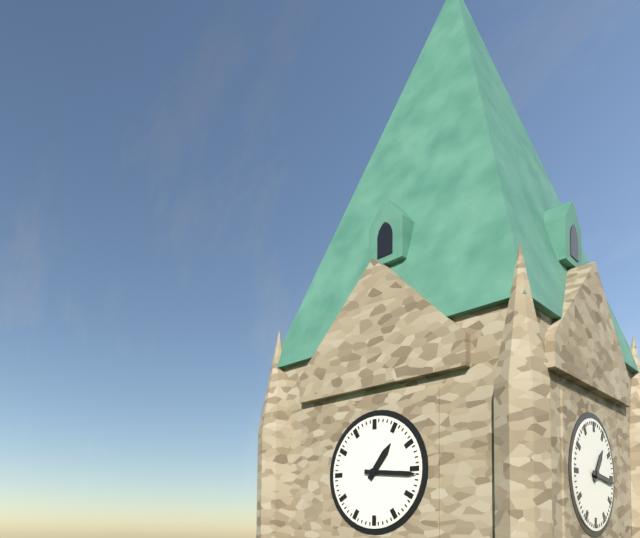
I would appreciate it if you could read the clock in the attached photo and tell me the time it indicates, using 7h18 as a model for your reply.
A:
1h16
